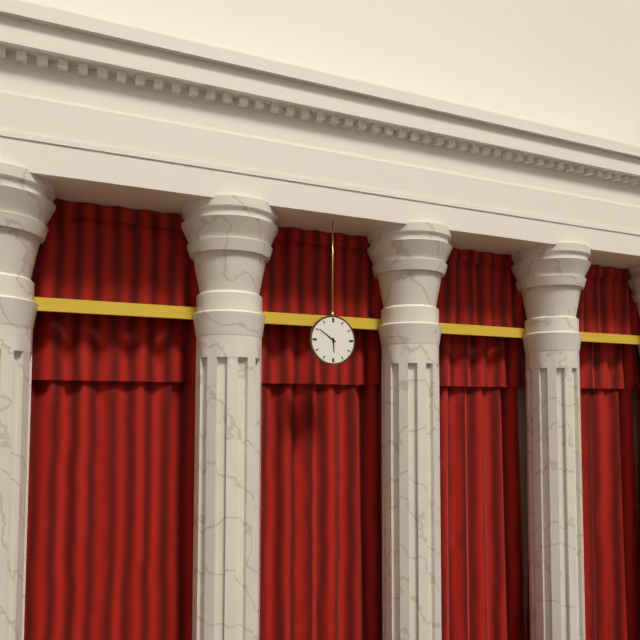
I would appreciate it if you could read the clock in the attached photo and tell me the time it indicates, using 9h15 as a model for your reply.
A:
5h51
